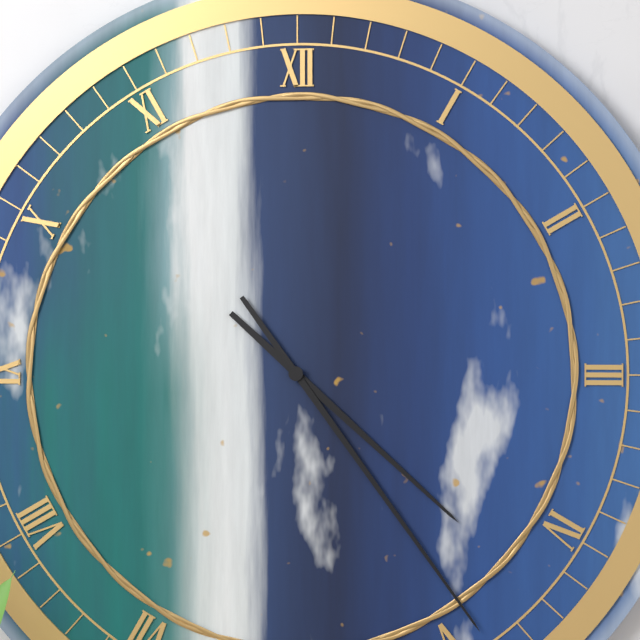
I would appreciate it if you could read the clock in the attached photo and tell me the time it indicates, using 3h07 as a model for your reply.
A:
4h24
